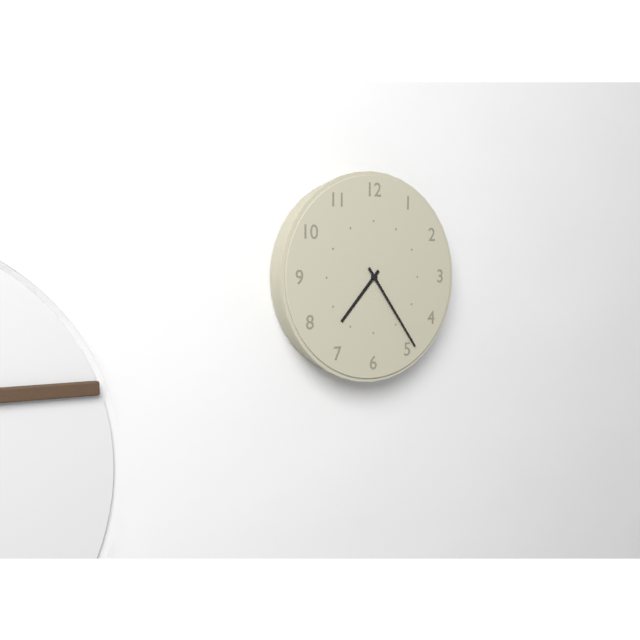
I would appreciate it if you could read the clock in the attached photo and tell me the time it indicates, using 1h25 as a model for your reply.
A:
7h24
